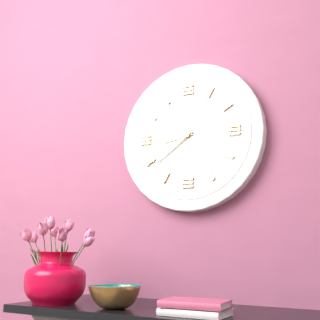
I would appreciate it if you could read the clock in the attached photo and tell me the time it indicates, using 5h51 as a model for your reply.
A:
8h39
